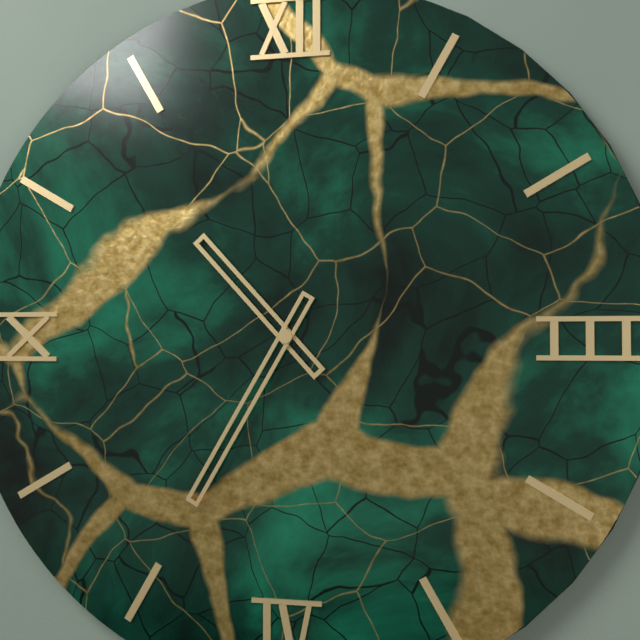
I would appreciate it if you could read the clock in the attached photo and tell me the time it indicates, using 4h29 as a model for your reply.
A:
10h35
